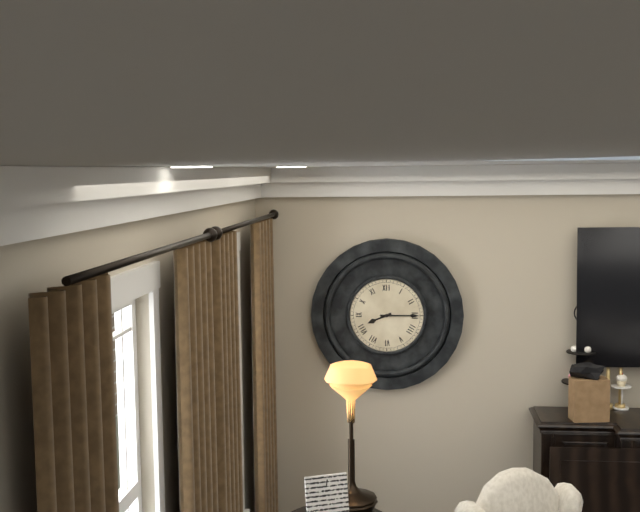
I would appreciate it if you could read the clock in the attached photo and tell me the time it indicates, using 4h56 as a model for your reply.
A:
8h15
